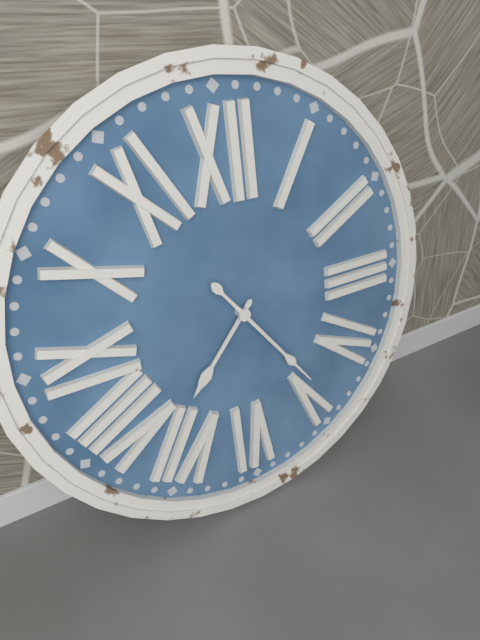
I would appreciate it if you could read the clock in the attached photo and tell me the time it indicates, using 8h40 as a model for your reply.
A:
7h24
